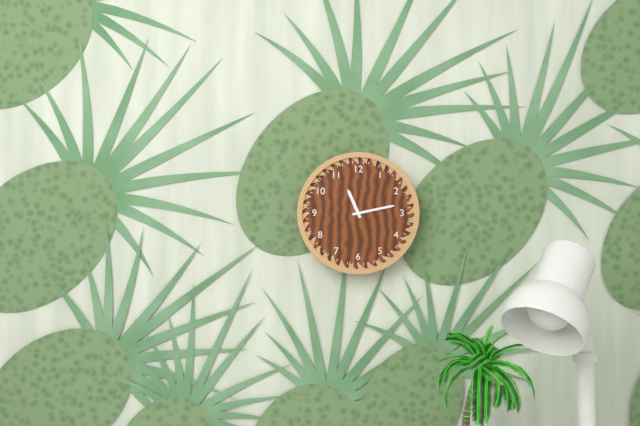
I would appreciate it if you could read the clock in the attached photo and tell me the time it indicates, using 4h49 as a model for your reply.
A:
11h13
